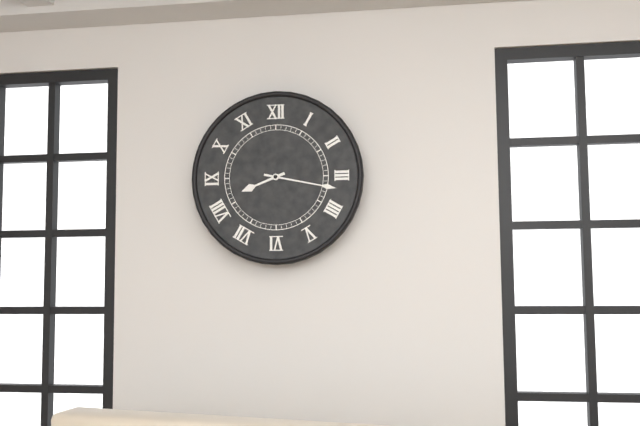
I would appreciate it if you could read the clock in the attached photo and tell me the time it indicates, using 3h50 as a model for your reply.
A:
8h17
